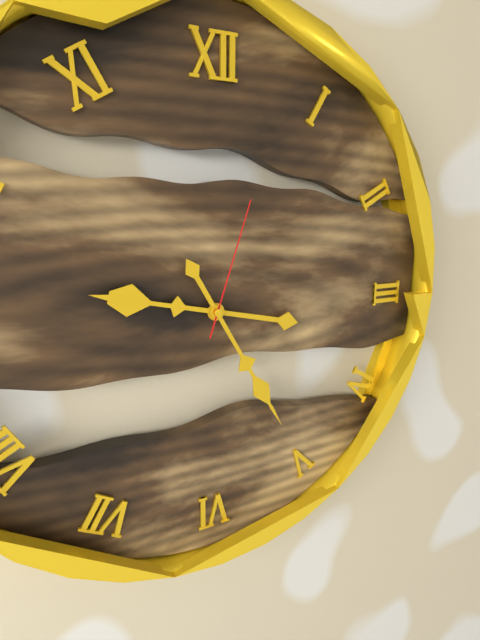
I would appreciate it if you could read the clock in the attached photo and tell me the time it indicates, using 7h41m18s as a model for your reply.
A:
9h25m03s
